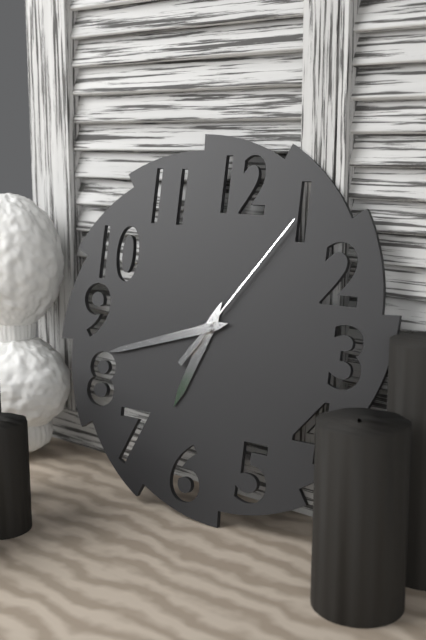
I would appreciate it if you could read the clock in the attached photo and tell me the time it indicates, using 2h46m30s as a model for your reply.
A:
6h42m06s
